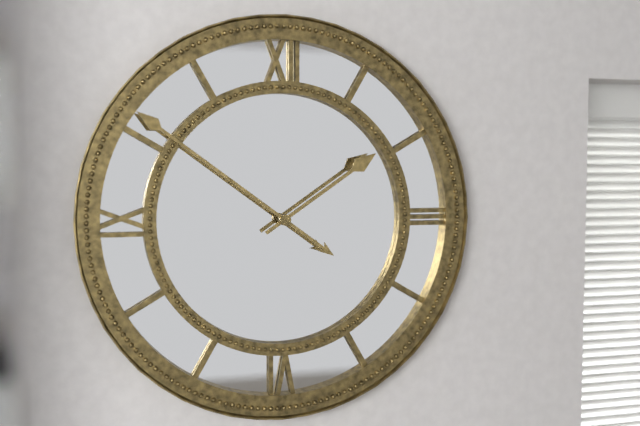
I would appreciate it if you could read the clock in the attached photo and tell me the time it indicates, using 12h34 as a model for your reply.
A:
1h51
